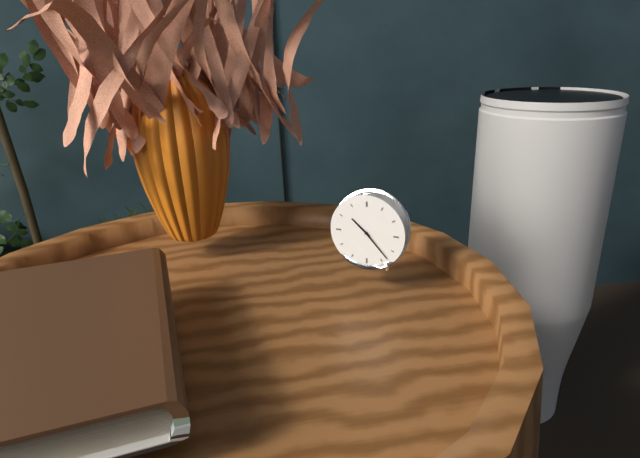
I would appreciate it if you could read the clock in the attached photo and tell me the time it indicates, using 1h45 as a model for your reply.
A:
10h23
